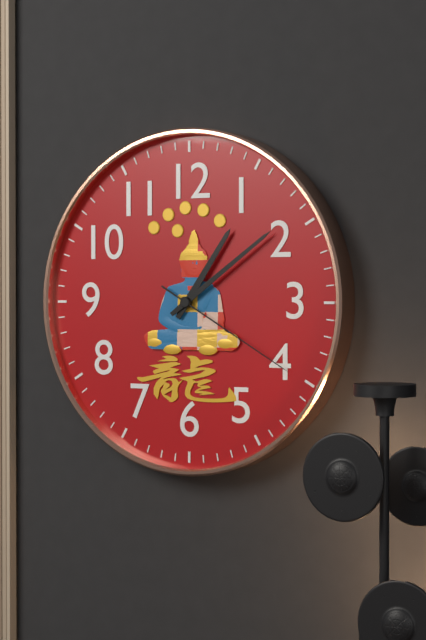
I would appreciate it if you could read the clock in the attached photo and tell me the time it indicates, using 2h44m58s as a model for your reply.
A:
1h09m20s
